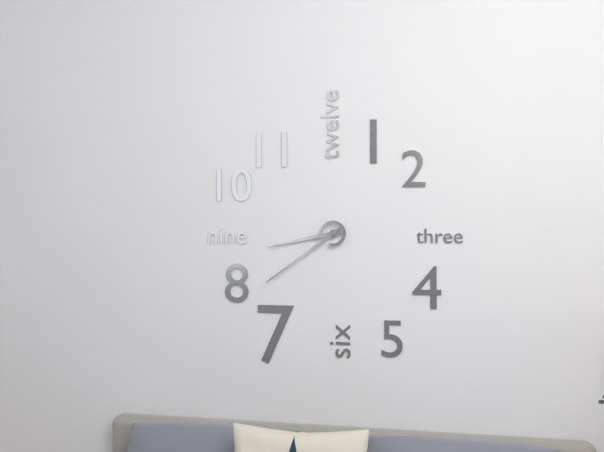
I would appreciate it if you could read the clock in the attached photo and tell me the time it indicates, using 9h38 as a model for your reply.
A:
8h39
